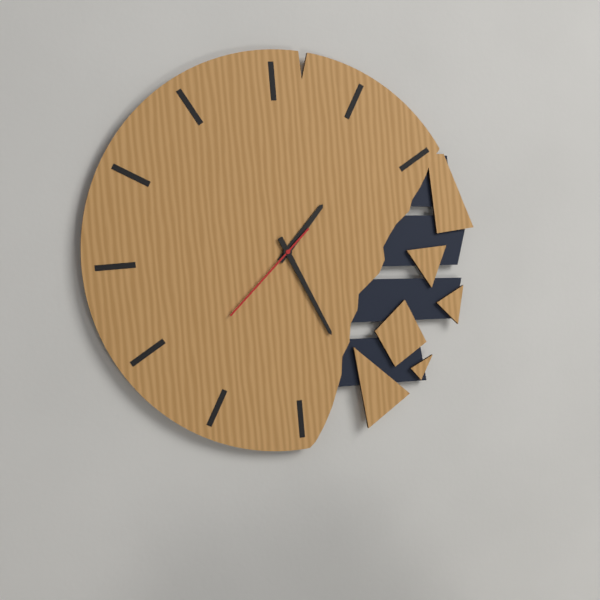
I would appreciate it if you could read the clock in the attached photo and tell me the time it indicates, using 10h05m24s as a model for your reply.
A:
1h26m38s
